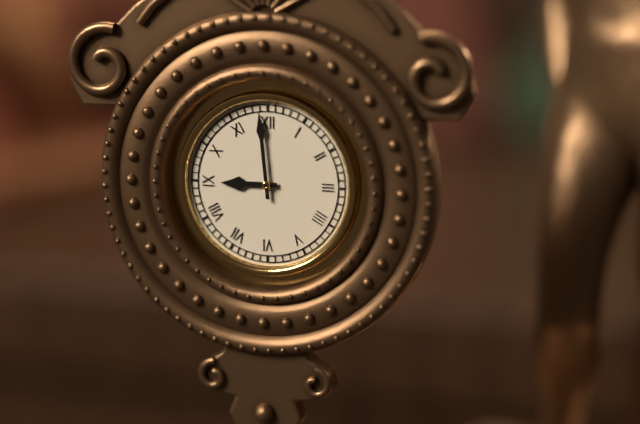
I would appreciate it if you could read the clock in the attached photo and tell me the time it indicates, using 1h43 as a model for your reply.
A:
8h59
